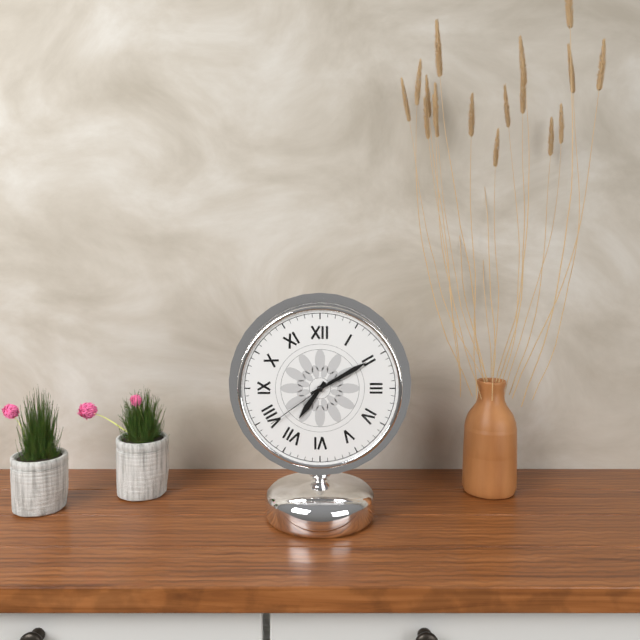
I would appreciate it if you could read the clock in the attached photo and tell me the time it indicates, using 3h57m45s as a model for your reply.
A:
7h10m39s
